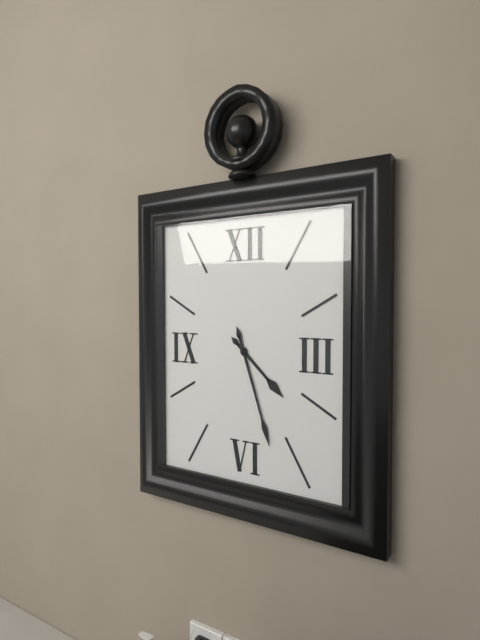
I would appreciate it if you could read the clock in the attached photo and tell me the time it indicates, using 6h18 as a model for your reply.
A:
4h27
